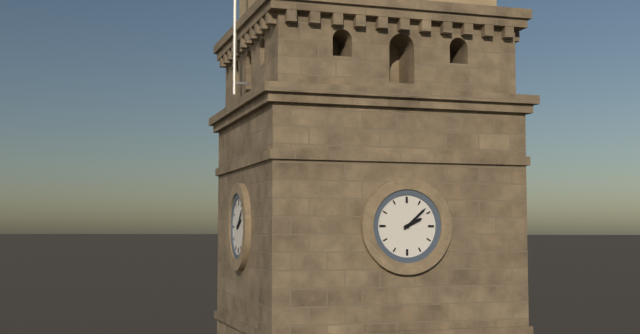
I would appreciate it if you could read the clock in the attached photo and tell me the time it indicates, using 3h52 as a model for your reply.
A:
2h08
